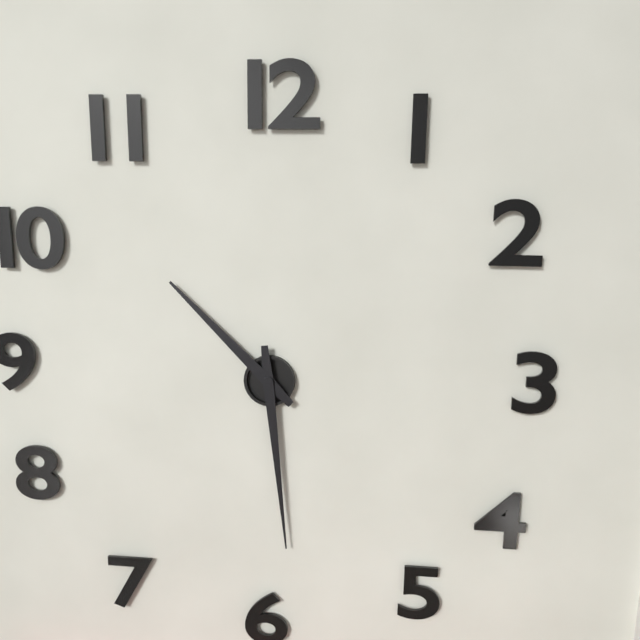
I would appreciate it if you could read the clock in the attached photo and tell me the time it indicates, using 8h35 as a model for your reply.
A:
10h29
